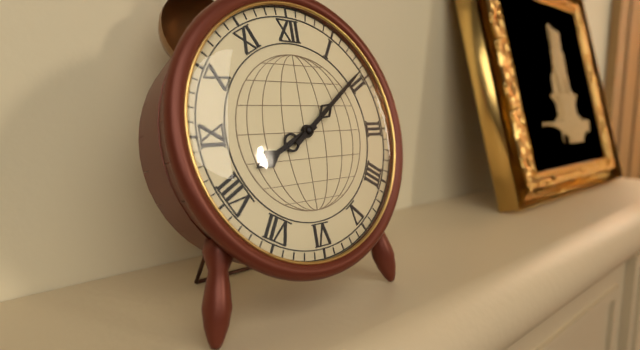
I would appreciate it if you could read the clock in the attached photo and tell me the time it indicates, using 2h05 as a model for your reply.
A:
8h09
